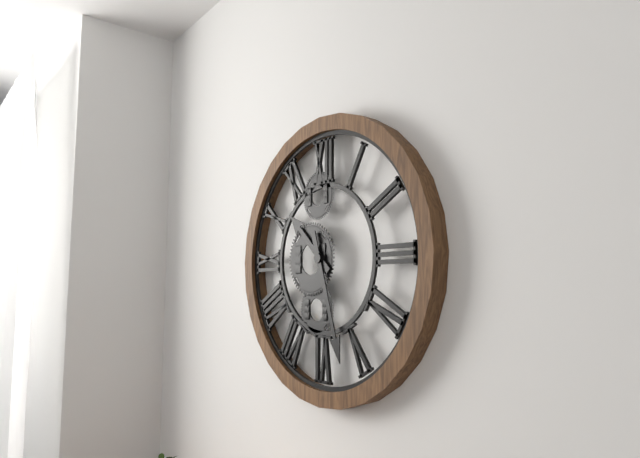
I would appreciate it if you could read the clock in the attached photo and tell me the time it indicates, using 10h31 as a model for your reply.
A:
10h27
